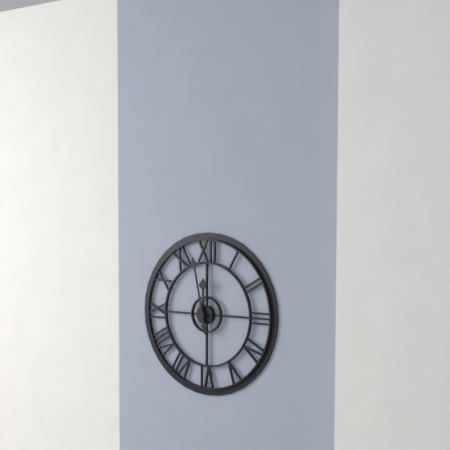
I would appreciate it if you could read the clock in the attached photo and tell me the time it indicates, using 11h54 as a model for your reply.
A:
11h58
